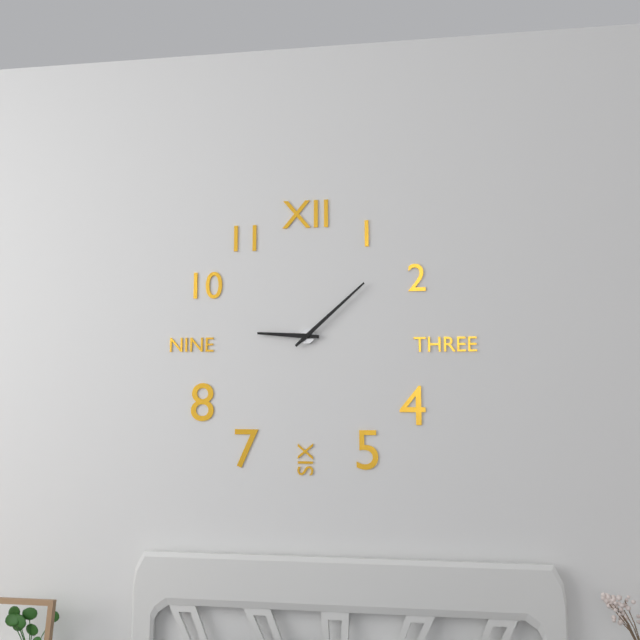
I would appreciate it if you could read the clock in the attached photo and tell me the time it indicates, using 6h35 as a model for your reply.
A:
9h08
